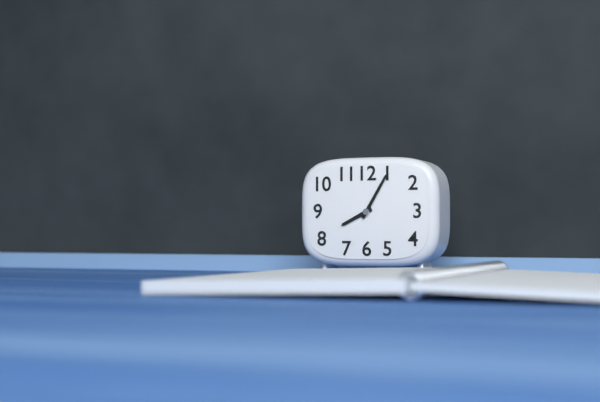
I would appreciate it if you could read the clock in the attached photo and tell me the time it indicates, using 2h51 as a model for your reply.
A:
8h05
